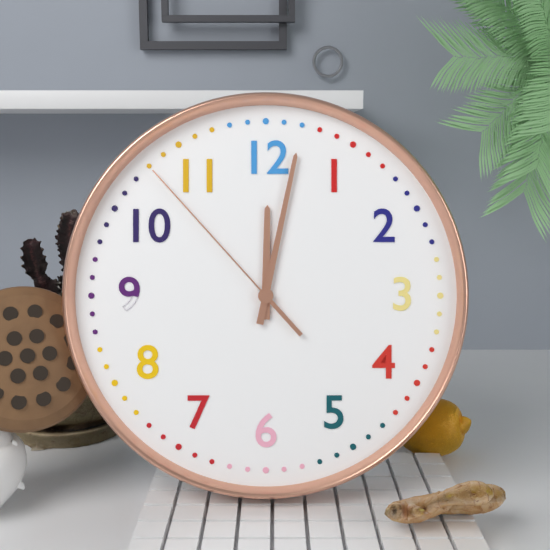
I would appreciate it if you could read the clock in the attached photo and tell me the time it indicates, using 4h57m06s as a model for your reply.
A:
12h02m53s
